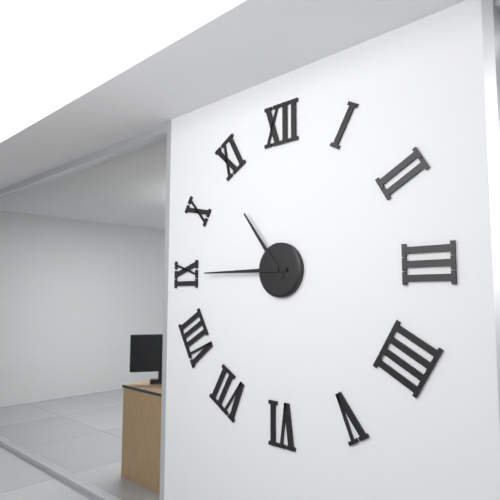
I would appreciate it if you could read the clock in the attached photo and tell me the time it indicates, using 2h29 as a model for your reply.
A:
10h45
